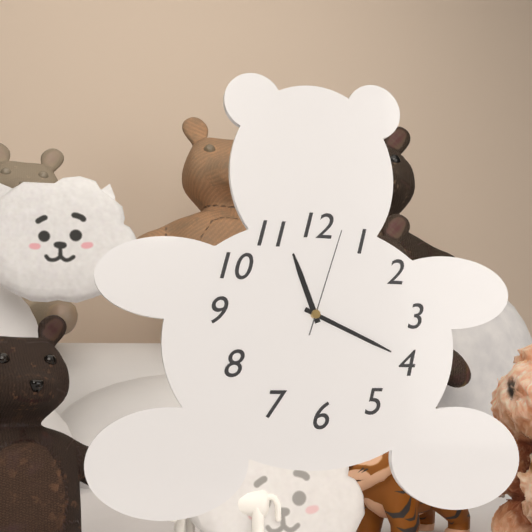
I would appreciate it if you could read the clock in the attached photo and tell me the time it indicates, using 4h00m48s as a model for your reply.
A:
11h19m03s
